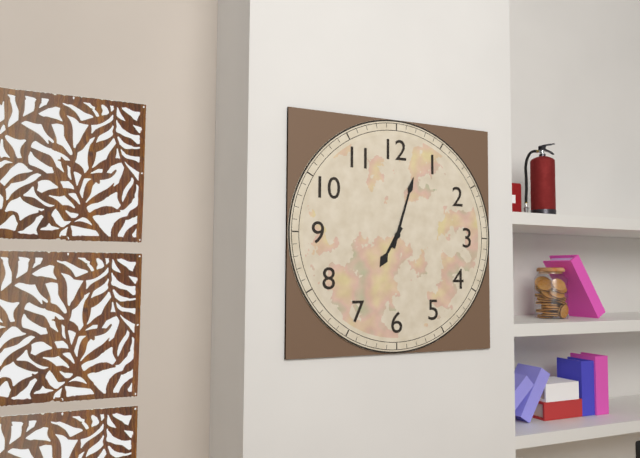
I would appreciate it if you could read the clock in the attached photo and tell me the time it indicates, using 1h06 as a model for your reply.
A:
7h03
